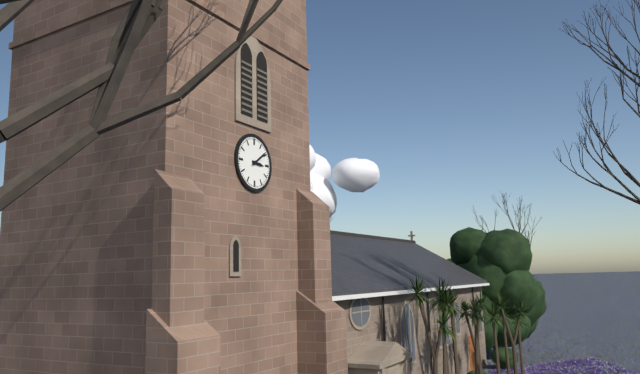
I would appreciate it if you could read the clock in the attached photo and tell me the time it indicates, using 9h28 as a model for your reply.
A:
3h09
